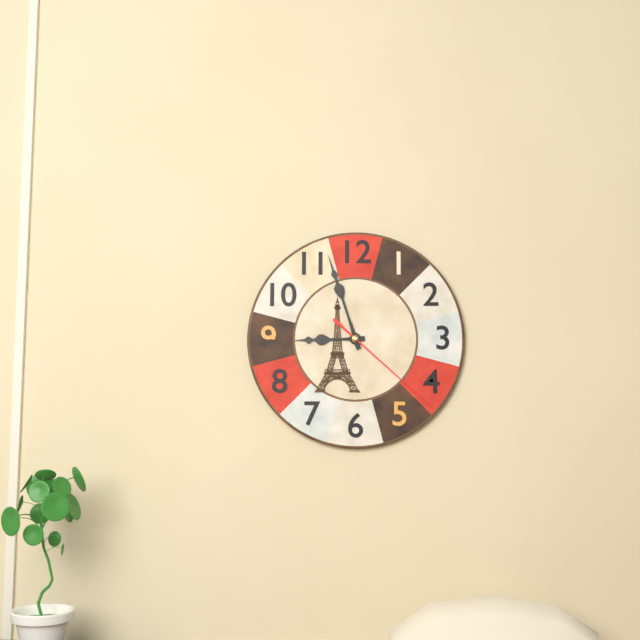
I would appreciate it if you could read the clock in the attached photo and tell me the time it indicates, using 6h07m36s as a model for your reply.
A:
8h57m22s
